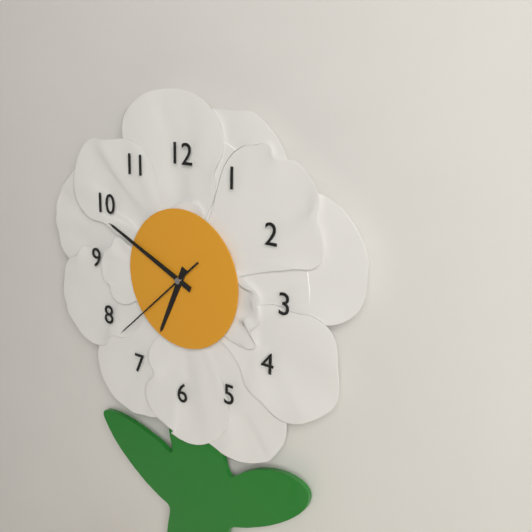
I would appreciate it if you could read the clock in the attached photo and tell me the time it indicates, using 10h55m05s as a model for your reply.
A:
6h49m38s
